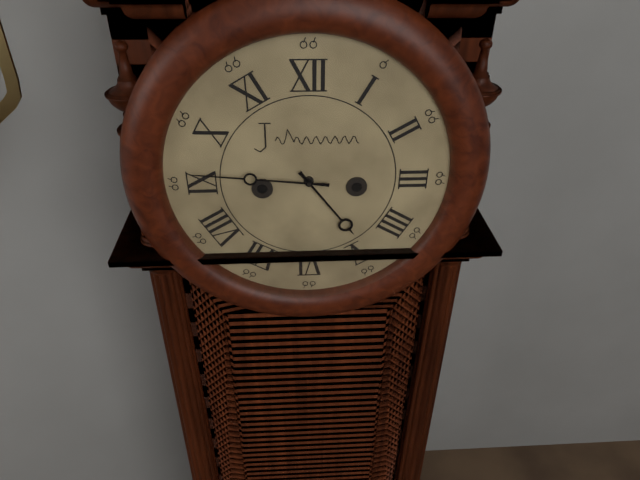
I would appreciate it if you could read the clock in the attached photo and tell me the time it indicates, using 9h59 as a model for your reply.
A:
4h46
